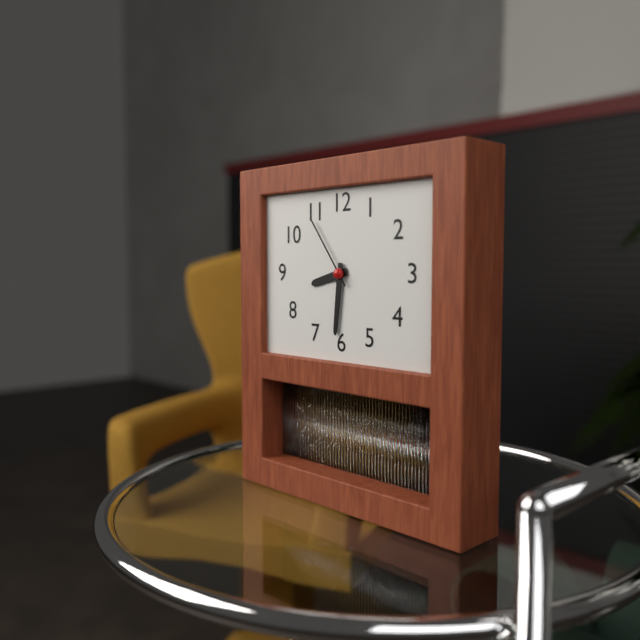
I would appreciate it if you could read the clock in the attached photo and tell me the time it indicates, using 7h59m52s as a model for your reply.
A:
8h31m54s
